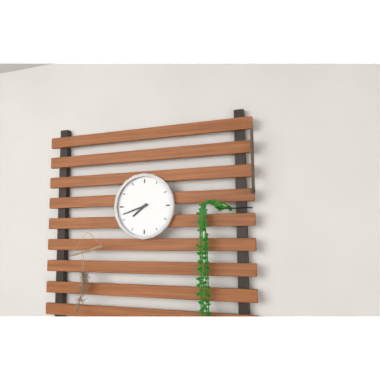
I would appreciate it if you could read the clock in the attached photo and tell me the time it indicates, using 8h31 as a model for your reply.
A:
7h42
